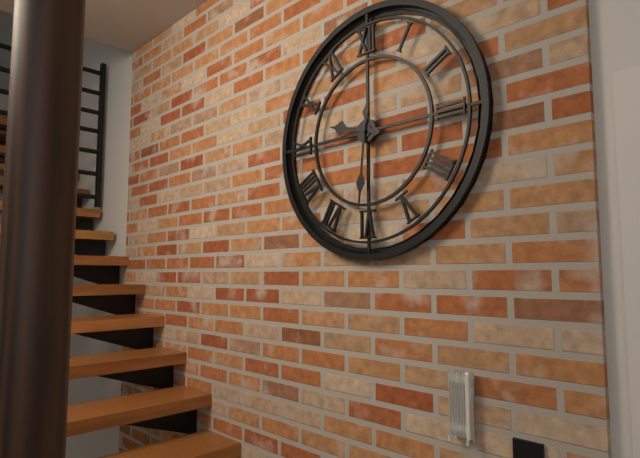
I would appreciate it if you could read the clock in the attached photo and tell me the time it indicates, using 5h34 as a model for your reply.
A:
9h31
